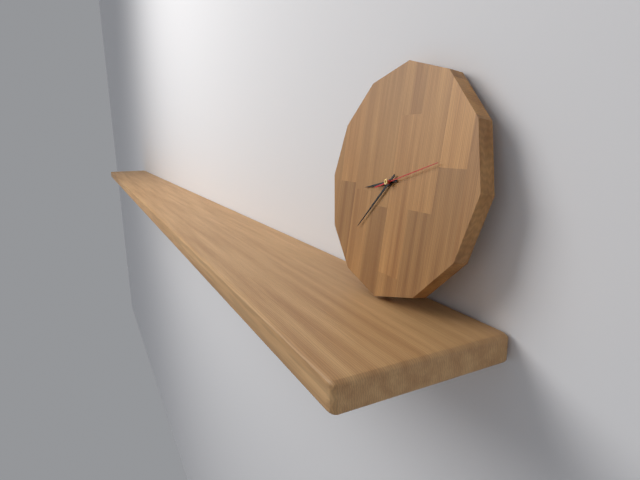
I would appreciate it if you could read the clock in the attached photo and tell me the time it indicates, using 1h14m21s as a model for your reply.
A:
8h37m12s
